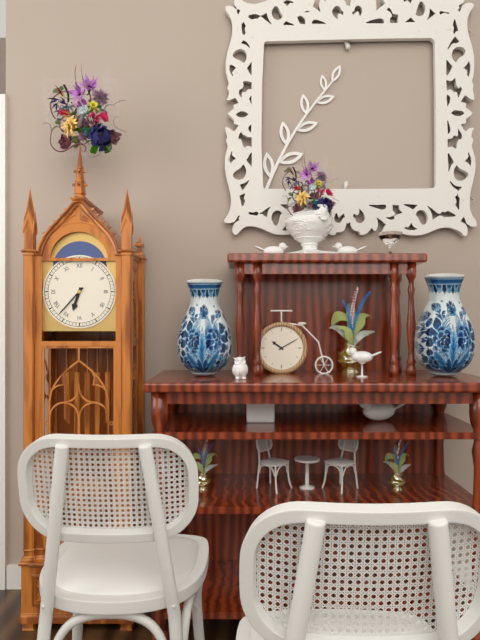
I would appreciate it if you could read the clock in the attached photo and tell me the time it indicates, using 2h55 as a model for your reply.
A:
6h37
